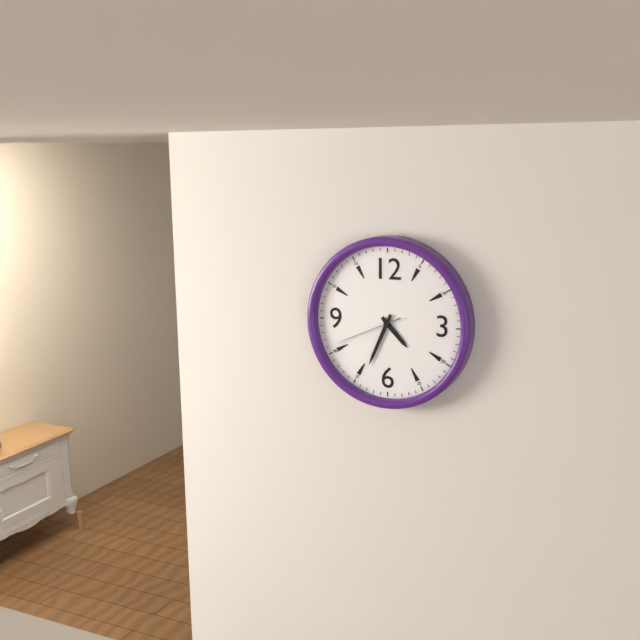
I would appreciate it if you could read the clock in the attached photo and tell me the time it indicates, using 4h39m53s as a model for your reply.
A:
4h34m41s
